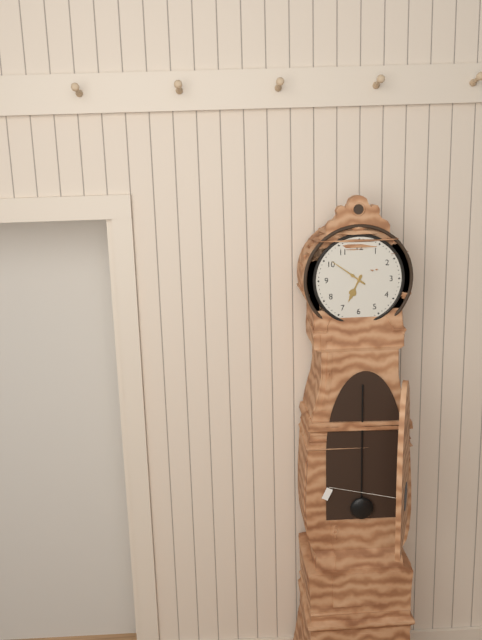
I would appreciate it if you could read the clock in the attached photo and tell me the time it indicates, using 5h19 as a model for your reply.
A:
6h51
